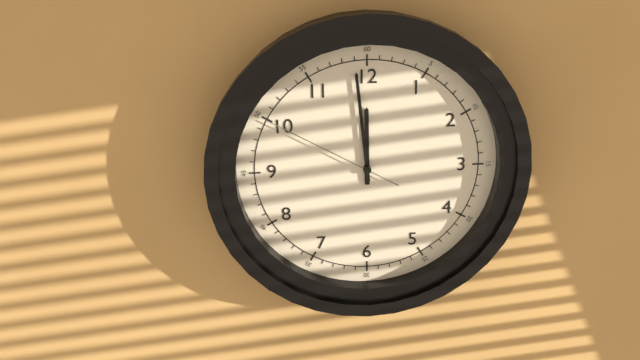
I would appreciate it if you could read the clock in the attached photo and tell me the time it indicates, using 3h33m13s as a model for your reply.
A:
11h59m50s
